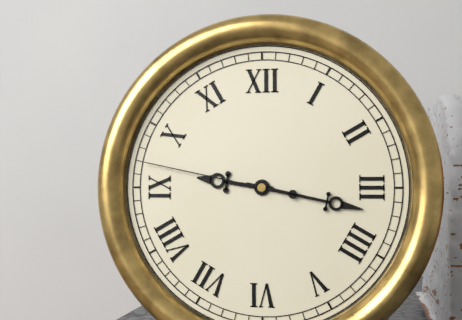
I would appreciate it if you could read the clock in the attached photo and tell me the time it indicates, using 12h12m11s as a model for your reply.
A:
9h17m47s
